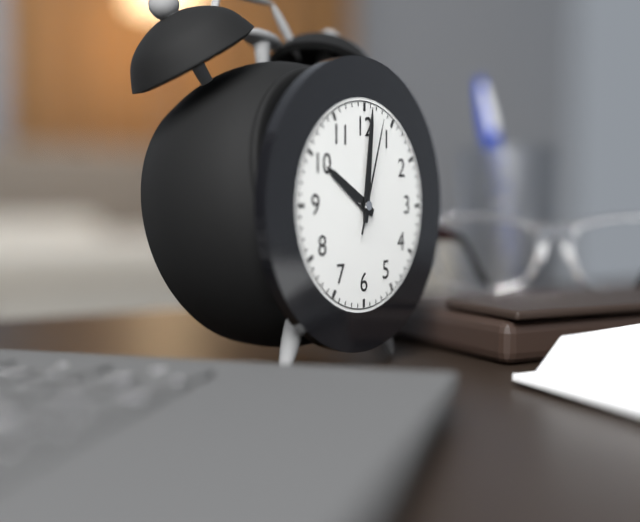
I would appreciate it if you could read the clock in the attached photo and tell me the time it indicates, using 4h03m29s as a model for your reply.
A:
10h01m03s
